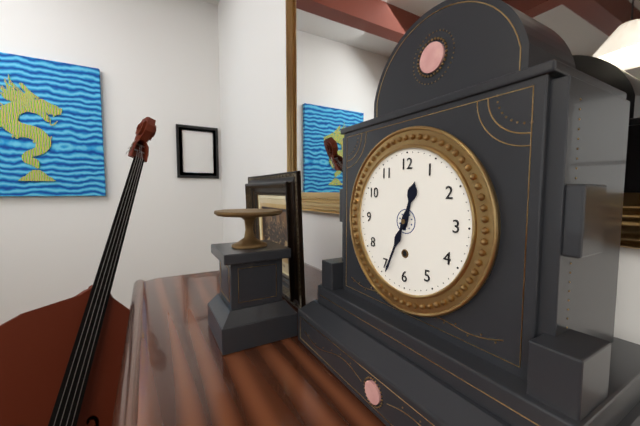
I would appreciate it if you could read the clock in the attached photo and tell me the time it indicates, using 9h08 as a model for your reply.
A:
12h34
